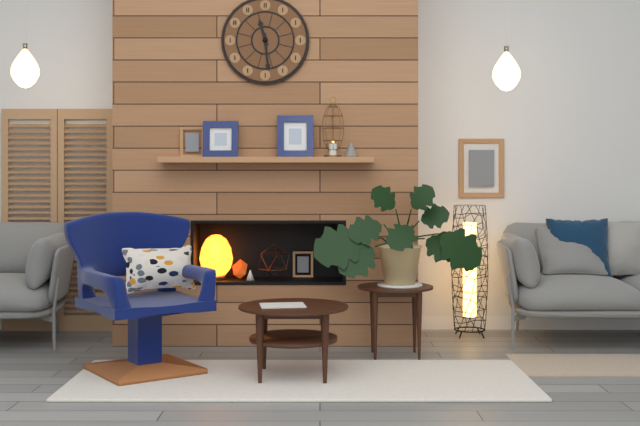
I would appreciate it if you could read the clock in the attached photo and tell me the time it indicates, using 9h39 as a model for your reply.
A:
11h29
